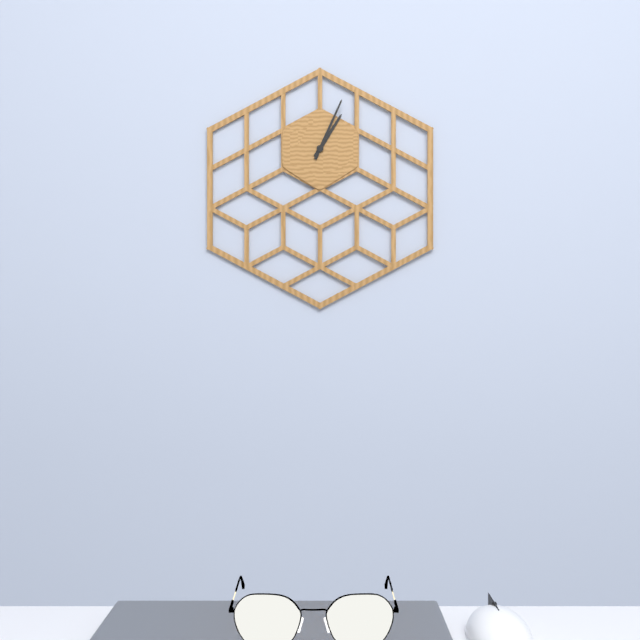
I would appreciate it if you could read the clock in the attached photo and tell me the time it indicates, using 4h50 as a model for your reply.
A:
1h04
